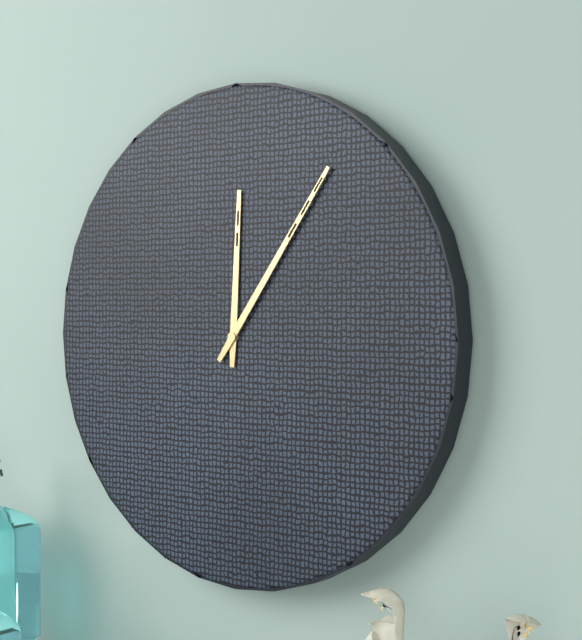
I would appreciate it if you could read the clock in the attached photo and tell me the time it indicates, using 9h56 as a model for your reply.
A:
12h06
